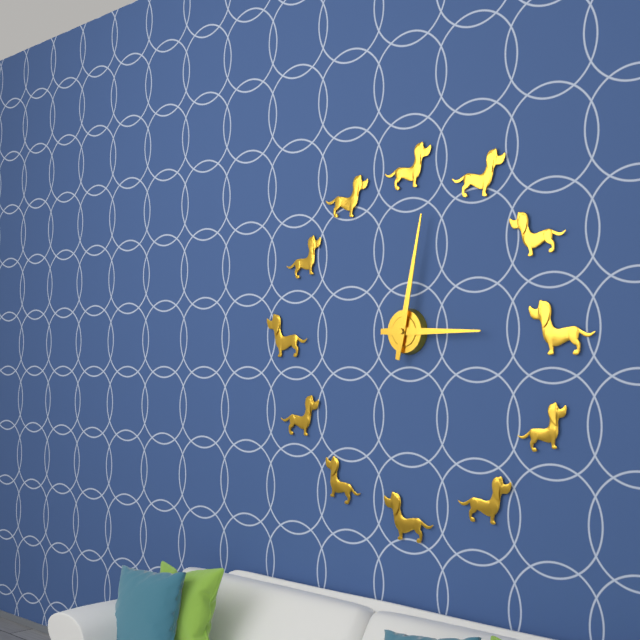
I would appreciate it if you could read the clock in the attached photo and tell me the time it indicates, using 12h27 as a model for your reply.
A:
3h02
